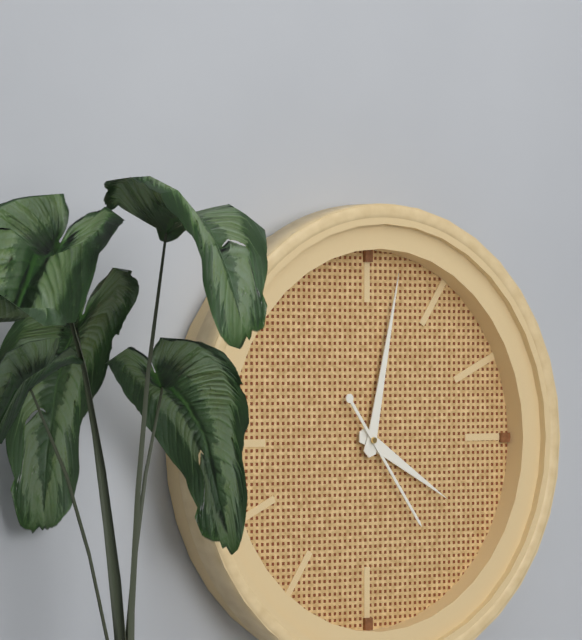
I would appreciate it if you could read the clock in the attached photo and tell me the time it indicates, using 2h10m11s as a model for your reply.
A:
4h02m24s
